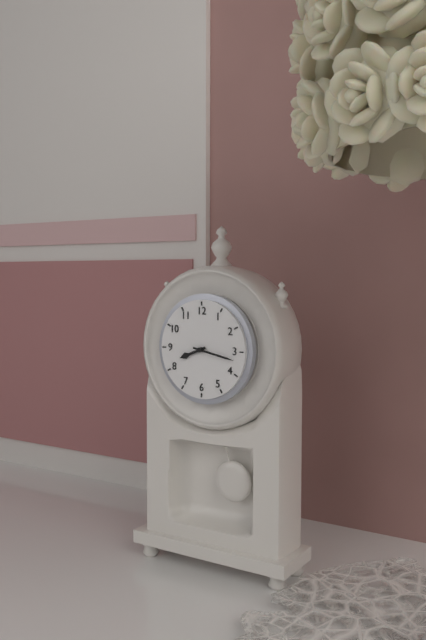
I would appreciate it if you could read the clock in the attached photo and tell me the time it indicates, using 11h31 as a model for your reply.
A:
8h17
